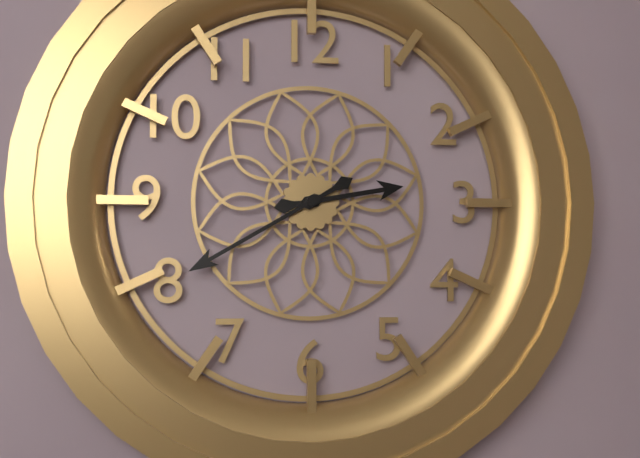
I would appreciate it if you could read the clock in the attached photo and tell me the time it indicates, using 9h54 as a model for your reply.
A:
2h40
